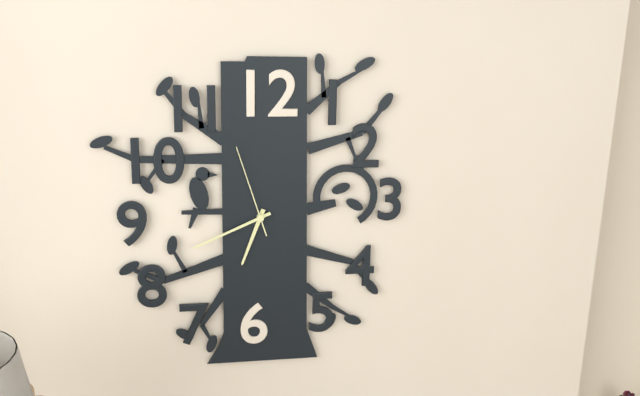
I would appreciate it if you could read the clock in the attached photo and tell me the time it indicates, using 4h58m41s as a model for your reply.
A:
6h41m57s
